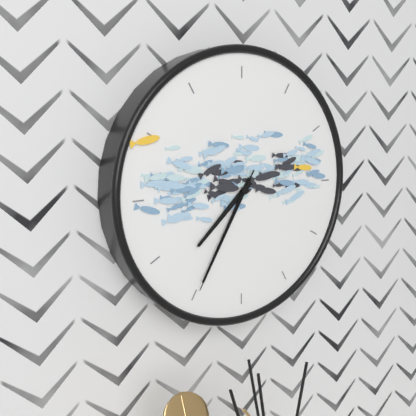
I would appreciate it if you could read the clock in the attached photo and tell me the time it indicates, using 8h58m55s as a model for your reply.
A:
7h35m35s
